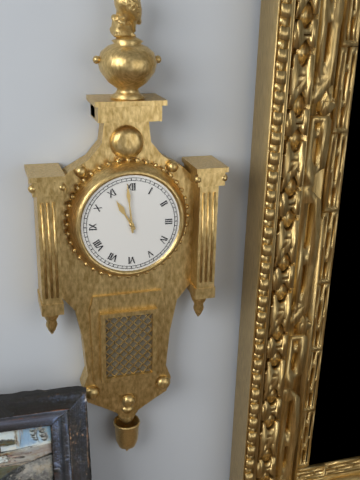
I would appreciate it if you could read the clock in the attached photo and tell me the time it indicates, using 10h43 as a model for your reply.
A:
10h59
